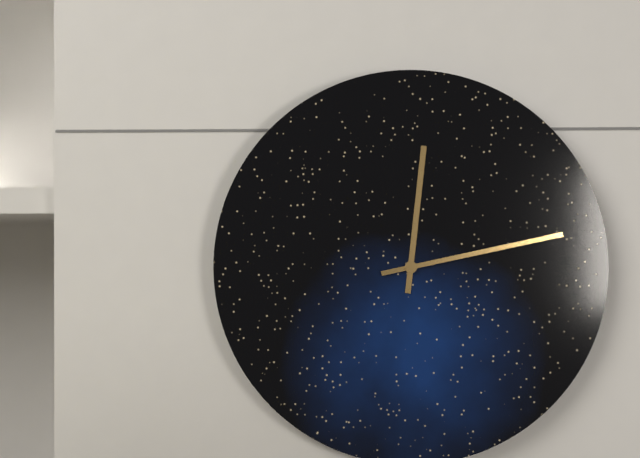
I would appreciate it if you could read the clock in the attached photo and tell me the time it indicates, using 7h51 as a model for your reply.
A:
12h13
